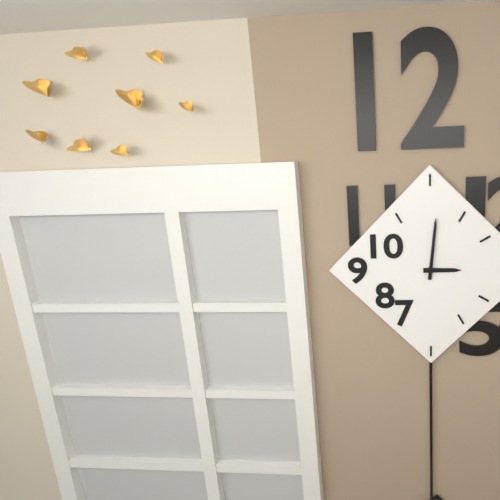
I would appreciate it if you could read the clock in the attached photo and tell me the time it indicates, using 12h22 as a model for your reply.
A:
3h01
